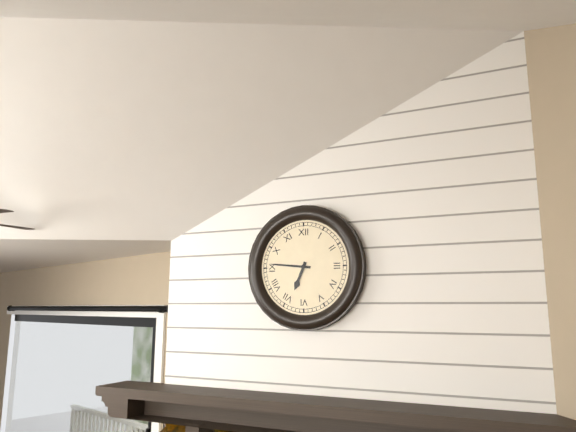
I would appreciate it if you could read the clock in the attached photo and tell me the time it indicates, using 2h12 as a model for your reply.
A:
6h46
